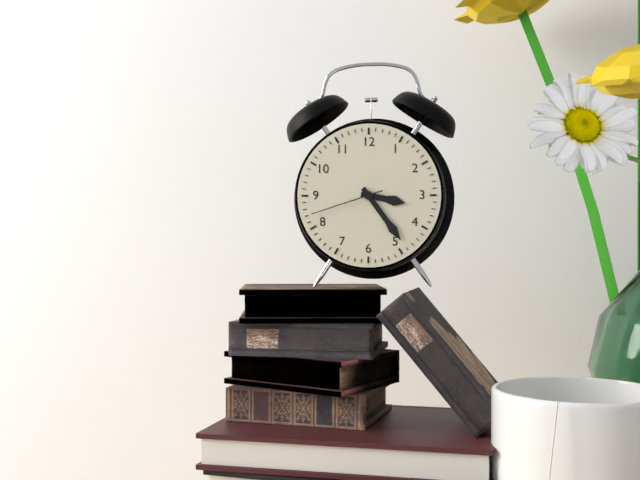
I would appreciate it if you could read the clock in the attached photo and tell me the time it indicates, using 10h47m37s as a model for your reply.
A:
3h24m42s
